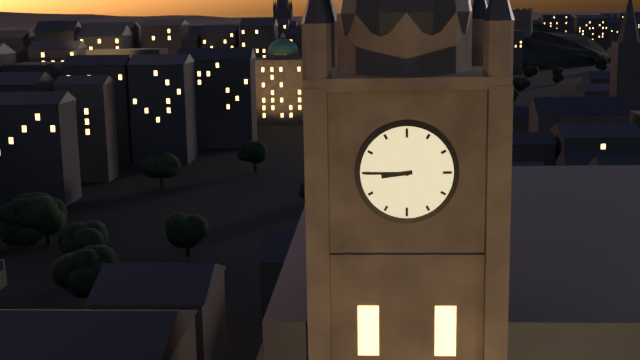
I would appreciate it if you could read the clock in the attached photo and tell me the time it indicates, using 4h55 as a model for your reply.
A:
8h45
